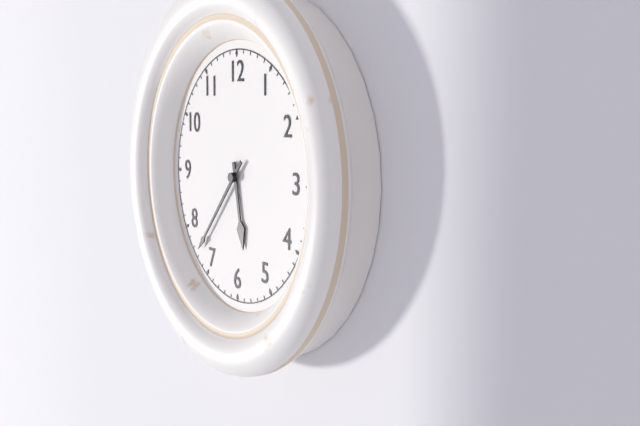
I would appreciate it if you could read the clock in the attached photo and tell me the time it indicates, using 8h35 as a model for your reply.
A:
5h37
